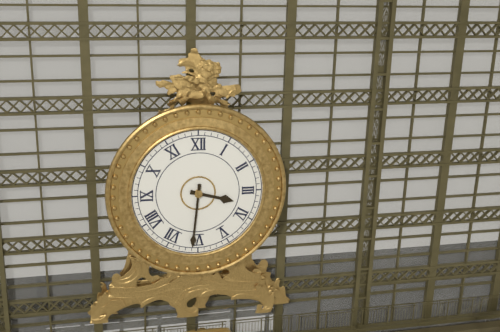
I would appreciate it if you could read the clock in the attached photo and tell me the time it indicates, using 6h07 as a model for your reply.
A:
3h31
